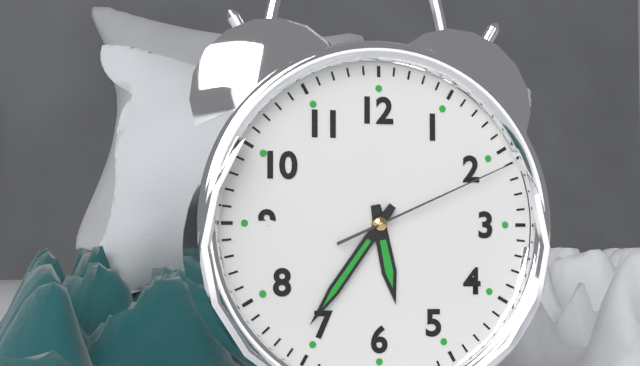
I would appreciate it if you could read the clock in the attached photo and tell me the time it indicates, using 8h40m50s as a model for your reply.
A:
5h36m11s
